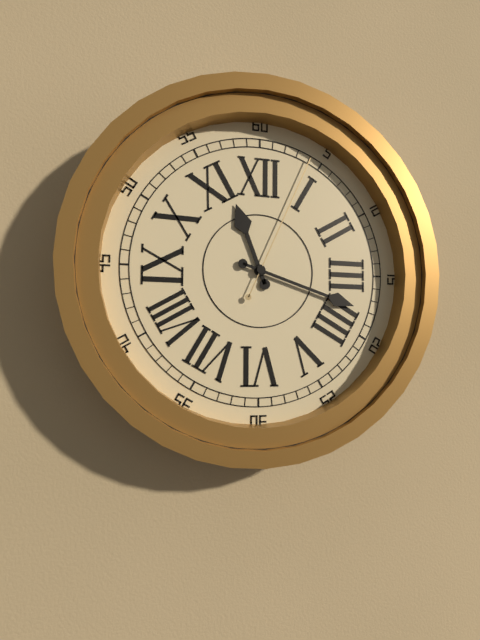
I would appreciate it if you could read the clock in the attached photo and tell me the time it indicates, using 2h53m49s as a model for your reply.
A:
11h18m04s
